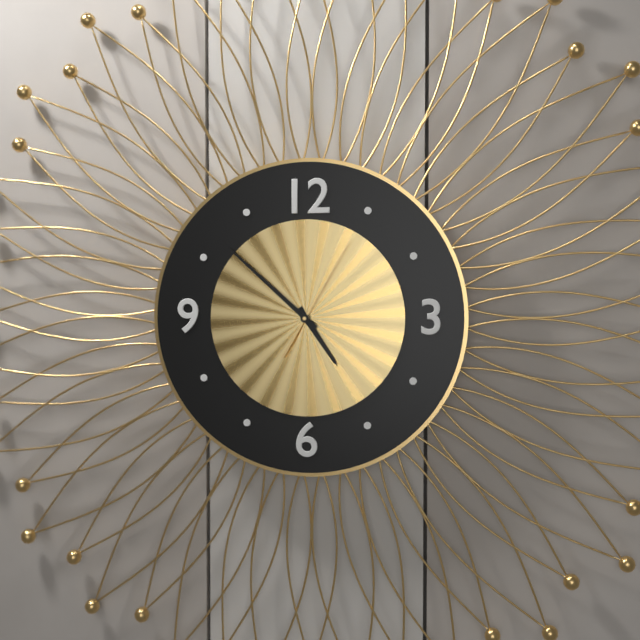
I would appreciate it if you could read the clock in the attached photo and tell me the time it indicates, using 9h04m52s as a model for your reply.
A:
4h52m05s
